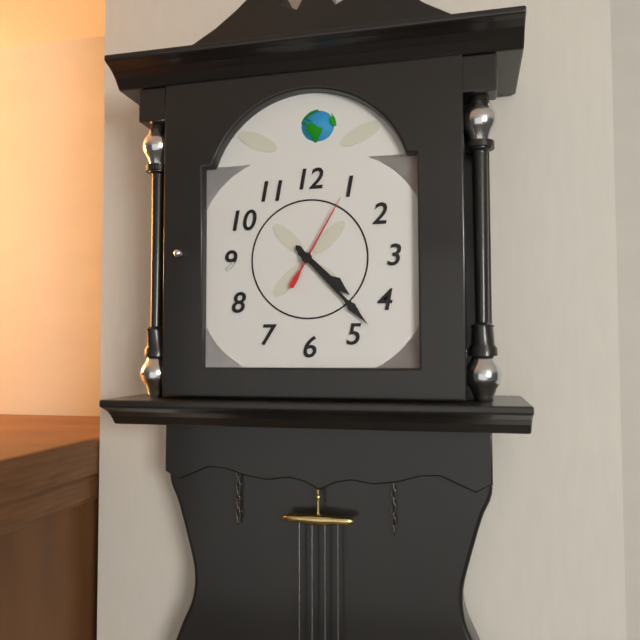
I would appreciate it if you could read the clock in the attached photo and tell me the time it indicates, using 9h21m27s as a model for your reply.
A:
4h23m05s
